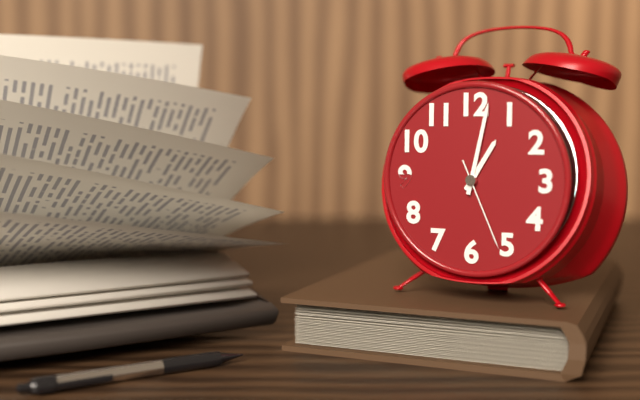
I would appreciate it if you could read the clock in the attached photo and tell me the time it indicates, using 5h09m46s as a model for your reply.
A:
1h02m26s
